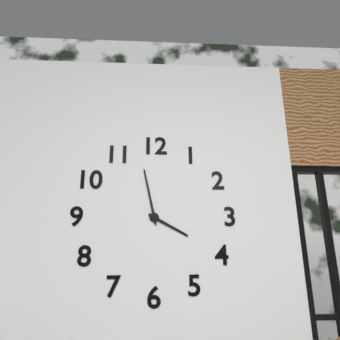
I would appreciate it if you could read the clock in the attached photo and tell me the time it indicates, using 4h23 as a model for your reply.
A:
3h58
